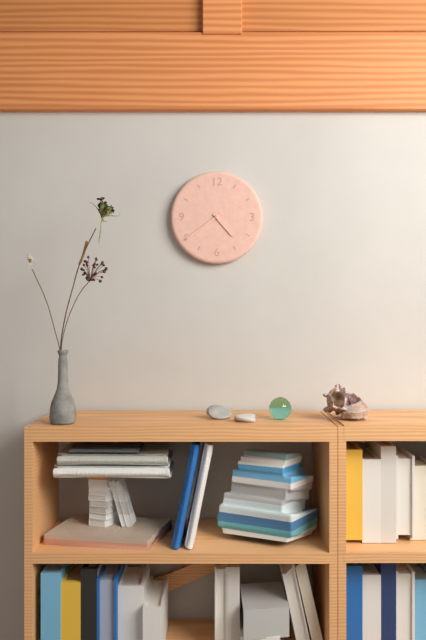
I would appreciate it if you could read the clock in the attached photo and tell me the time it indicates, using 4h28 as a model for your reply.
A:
4h39
